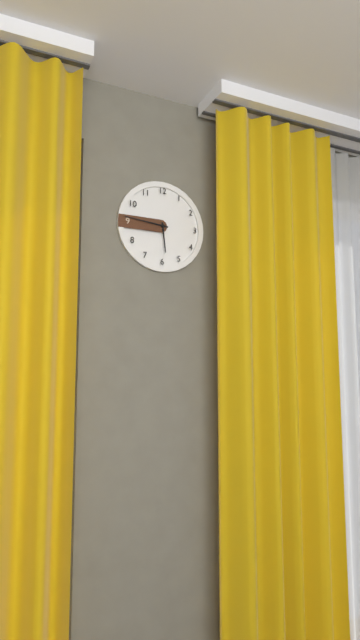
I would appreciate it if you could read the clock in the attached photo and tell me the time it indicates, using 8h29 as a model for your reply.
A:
5h46
